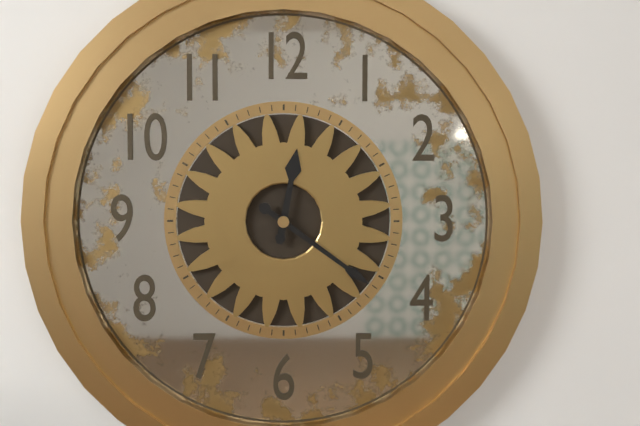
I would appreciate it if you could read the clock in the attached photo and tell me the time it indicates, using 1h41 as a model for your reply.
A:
12h21
